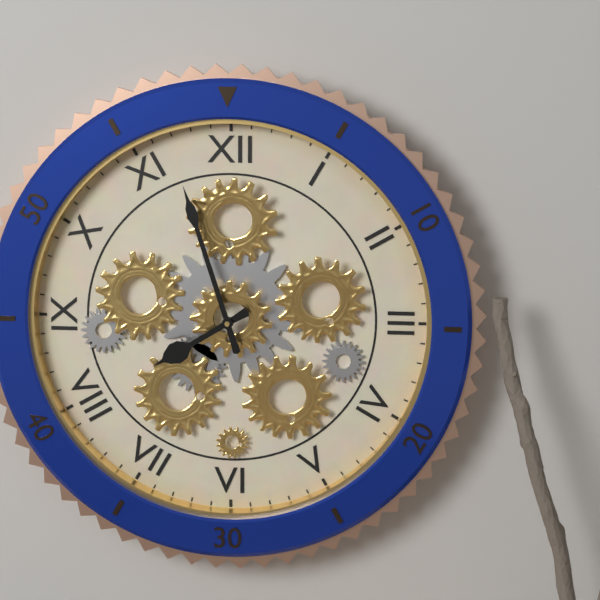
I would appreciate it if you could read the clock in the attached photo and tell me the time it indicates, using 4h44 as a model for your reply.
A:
7h57
